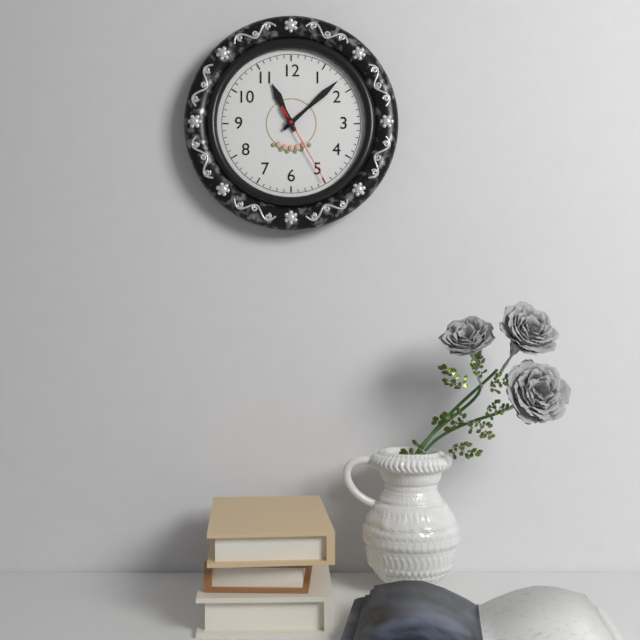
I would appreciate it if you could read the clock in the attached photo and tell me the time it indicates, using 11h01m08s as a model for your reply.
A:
11h08m25s
